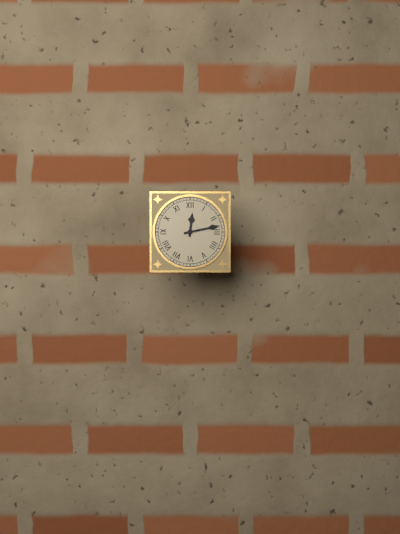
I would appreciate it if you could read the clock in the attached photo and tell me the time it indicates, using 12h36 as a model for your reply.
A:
12h13
